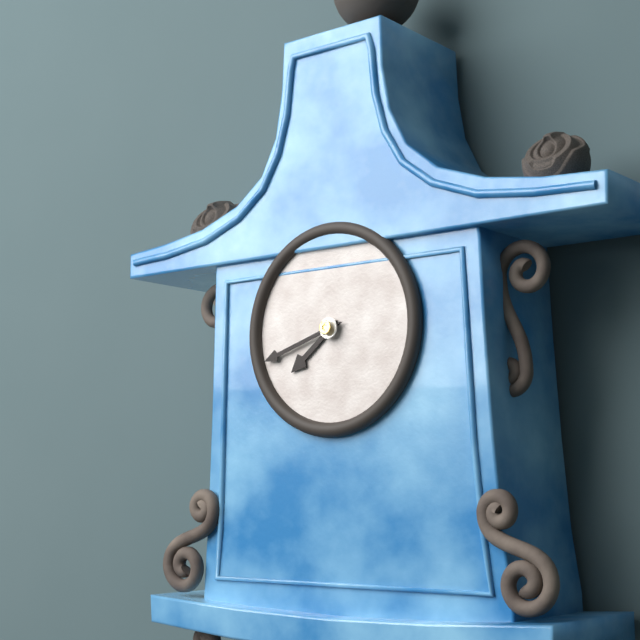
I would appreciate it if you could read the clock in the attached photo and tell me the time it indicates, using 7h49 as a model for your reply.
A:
7h42
